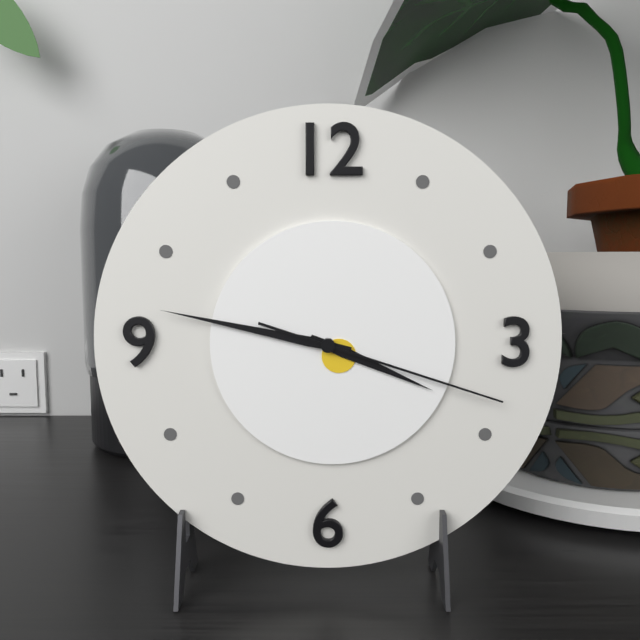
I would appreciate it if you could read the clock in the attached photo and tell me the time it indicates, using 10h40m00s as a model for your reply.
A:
3h47m18s
